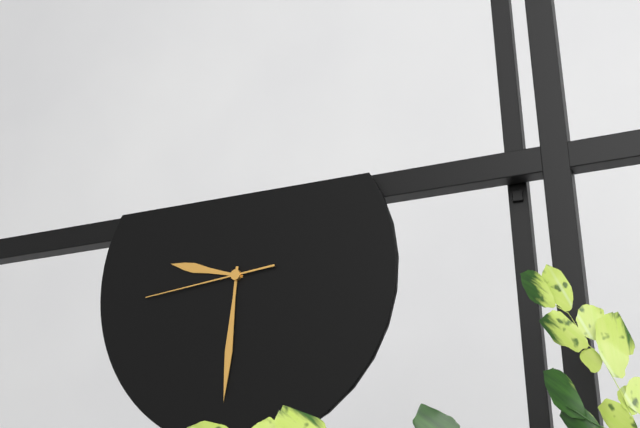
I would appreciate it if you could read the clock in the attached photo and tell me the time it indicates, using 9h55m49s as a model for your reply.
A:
9h31m44s
